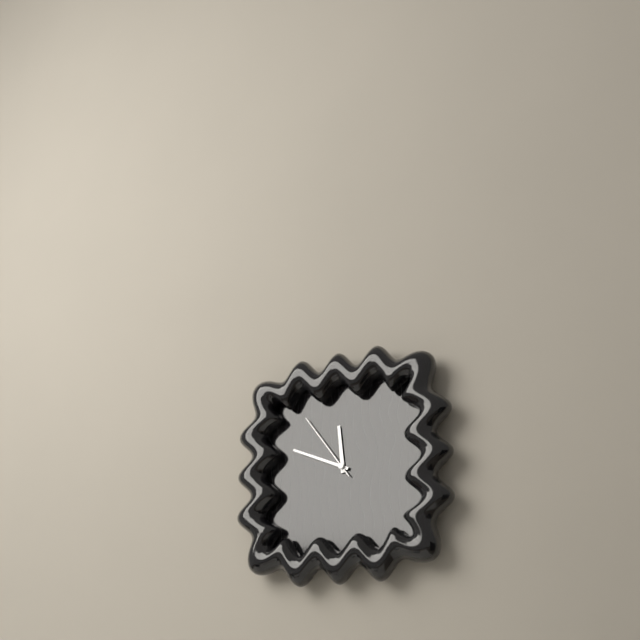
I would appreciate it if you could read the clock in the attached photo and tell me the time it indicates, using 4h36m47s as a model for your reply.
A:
11h49m54s
